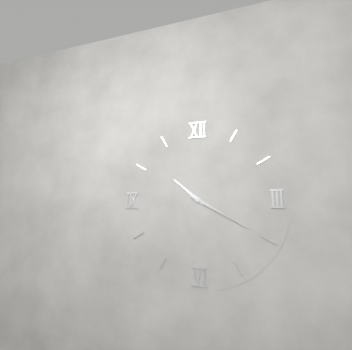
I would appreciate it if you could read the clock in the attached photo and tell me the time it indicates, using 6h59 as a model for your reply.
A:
10h20
